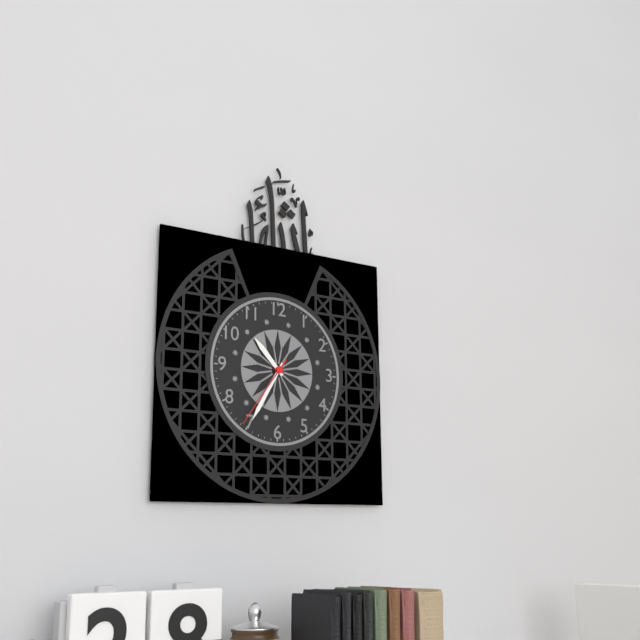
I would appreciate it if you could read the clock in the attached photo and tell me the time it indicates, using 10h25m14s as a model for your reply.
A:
10h35m36s
